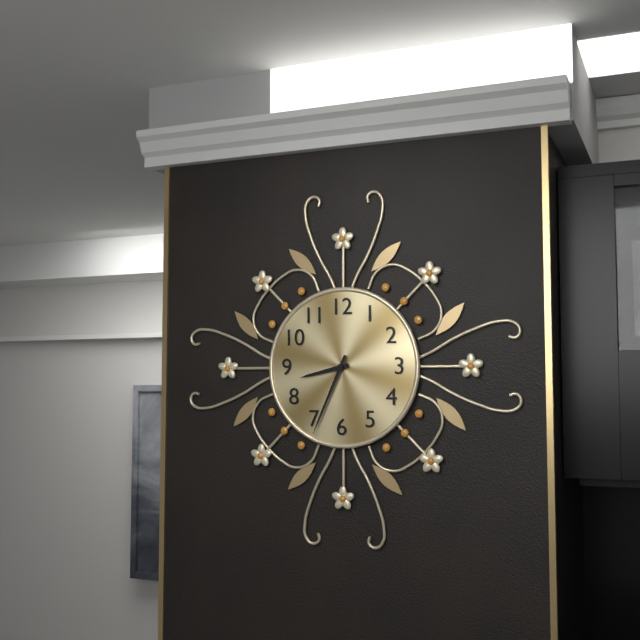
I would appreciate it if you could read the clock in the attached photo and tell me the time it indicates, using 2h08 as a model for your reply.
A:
8h34
